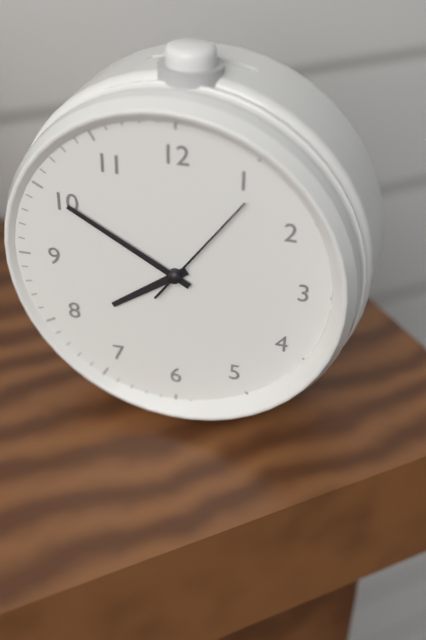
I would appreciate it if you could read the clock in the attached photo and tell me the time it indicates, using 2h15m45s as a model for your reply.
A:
7h50m06s
